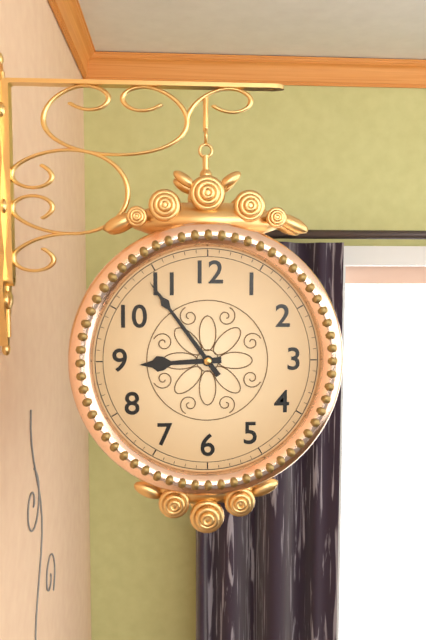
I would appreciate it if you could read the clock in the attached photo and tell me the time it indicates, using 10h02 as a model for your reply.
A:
8h54
